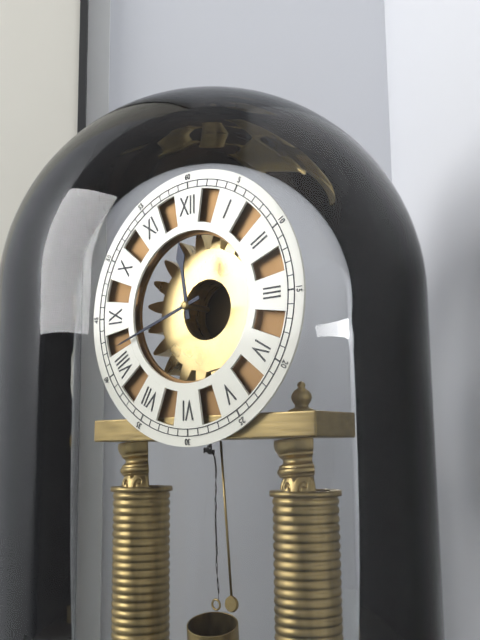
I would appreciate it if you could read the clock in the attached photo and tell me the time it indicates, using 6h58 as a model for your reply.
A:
11h42
